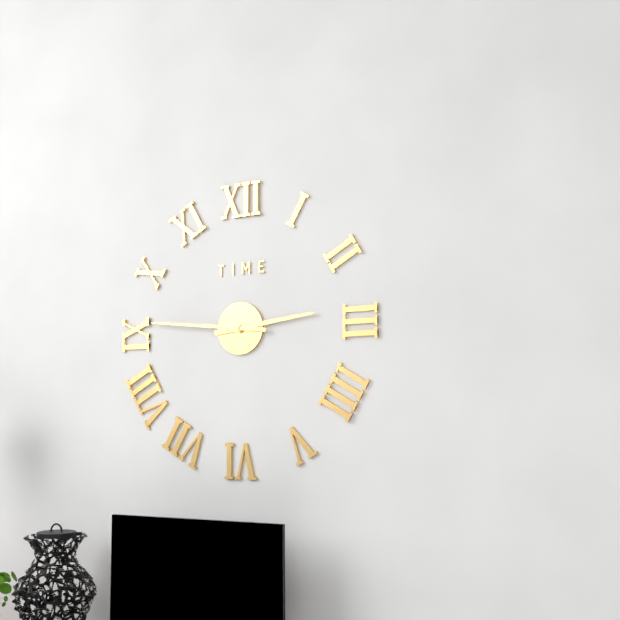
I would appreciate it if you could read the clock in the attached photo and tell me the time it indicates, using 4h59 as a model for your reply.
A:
2h46
